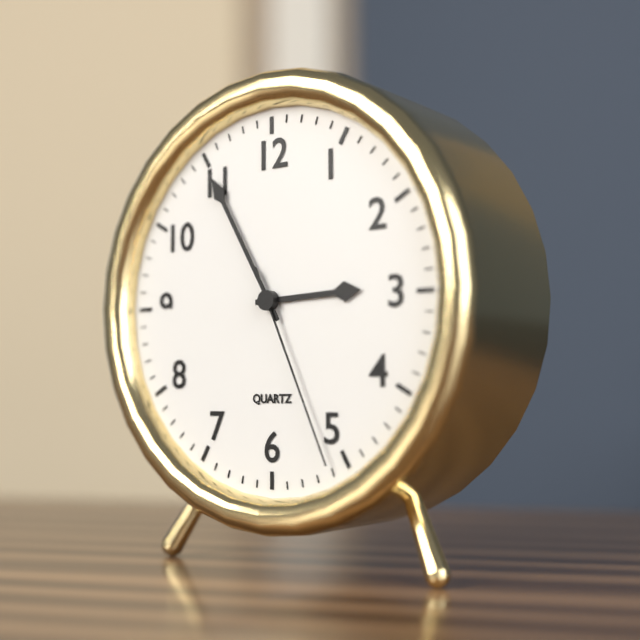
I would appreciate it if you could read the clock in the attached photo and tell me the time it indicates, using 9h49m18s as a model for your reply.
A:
2h55m26s
